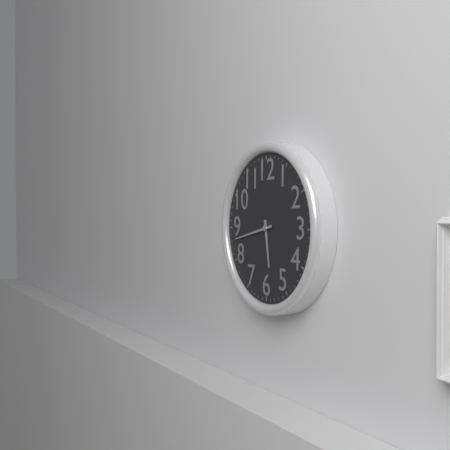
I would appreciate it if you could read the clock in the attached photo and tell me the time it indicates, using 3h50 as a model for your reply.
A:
5h43
